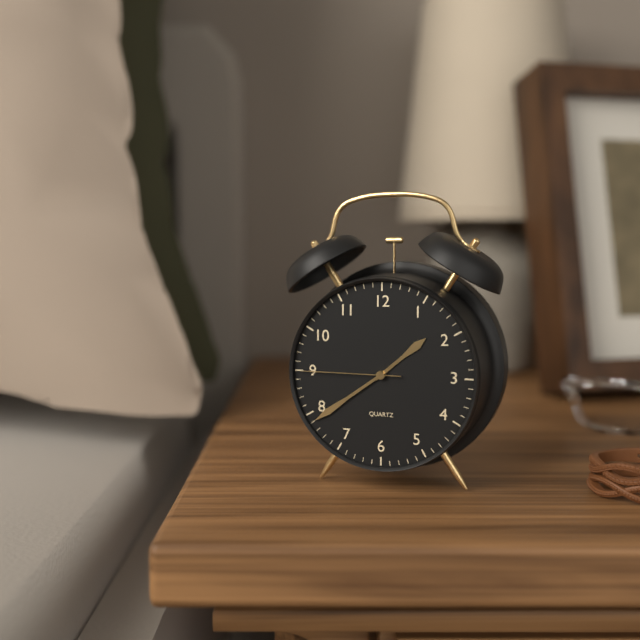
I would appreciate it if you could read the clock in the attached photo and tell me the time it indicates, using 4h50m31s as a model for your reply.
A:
1h39m45s
